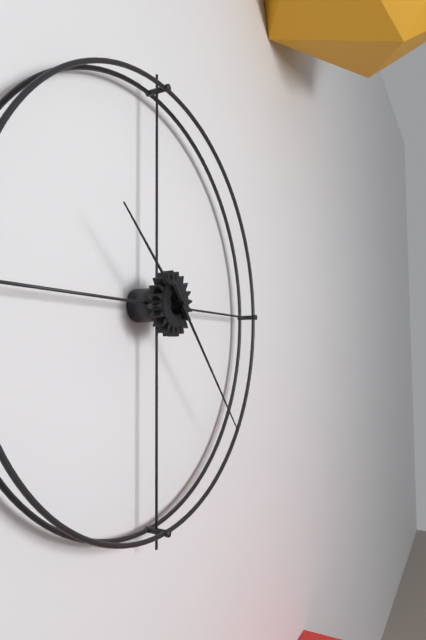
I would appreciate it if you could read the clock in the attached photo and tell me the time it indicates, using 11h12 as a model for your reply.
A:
10h23
